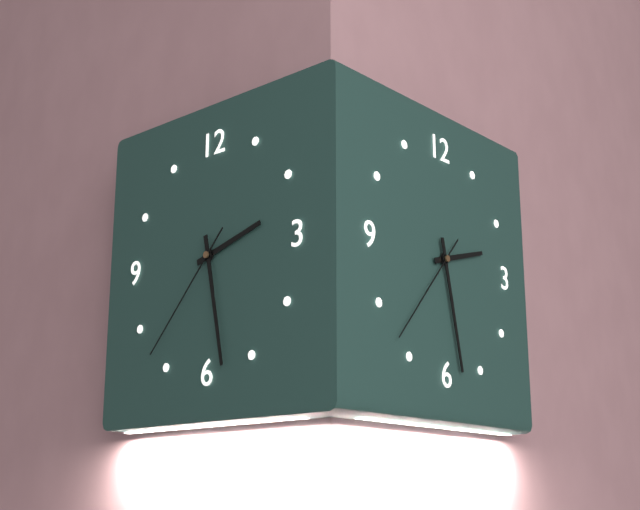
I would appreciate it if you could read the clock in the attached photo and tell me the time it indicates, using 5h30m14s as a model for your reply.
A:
2h28m37s
